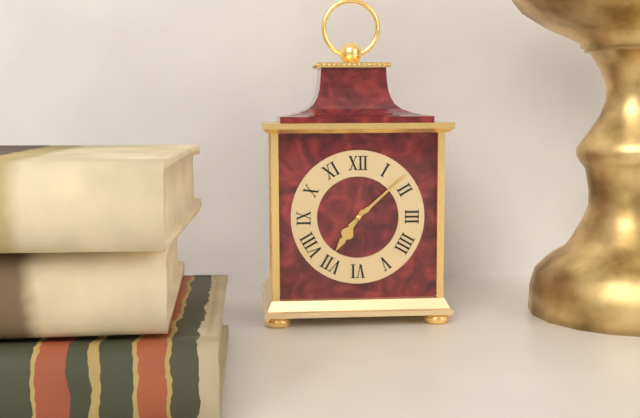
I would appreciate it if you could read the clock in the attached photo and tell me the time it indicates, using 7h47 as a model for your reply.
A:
7h08
